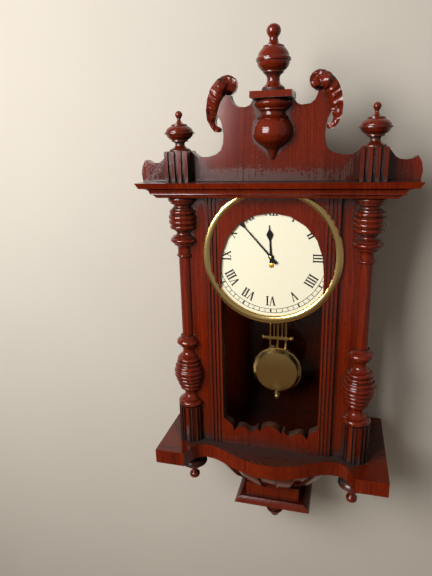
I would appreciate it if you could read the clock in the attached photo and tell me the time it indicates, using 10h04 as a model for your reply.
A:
11h53
